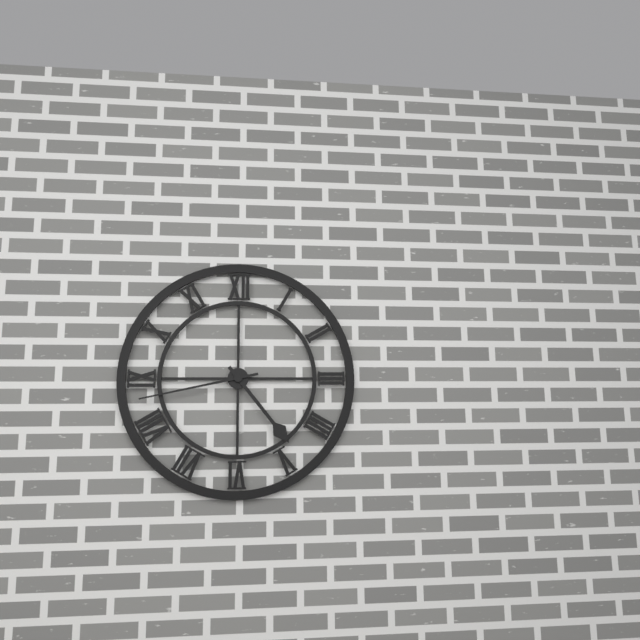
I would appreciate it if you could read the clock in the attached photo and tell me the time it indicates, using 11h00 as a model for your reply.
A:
4h43
